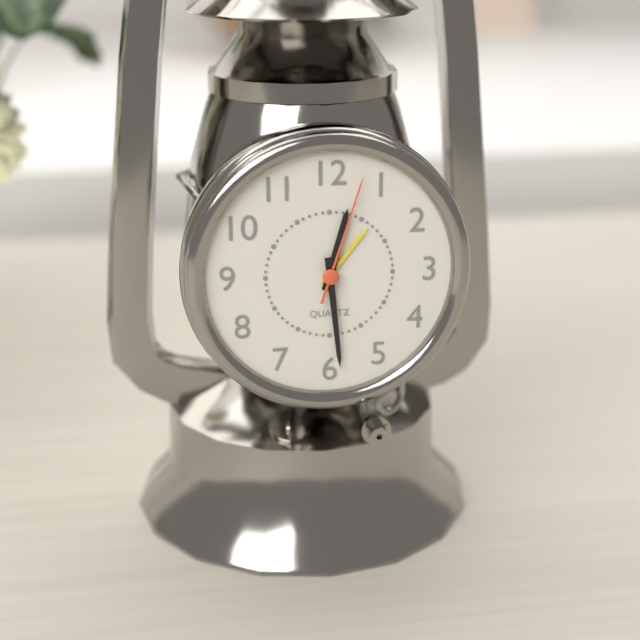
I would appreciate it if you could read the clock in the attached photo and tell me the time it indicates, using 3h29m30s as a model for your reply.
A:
12h29m03s
